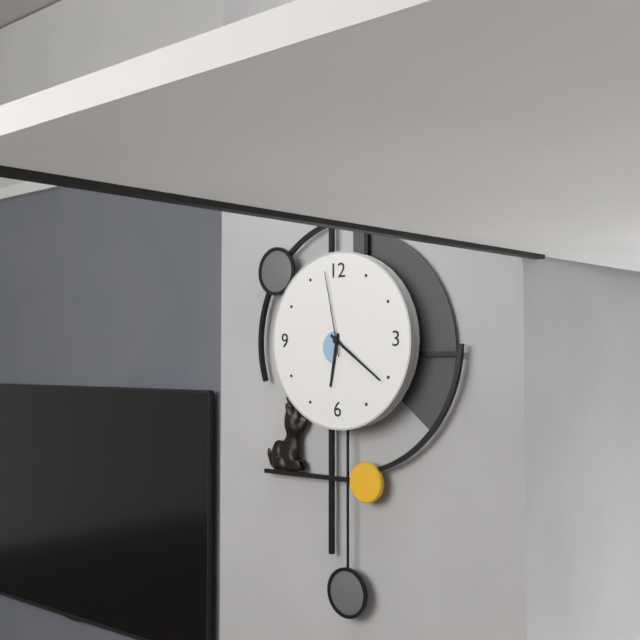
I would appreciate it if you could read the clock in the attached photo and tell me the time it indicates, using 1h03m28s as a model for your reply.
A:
6h21m58s
